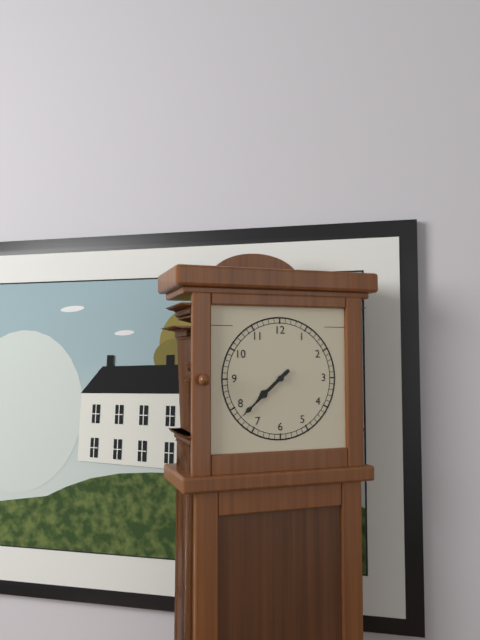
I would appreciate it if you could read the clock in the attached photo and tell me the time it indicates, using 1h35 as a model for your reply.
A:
7h38
